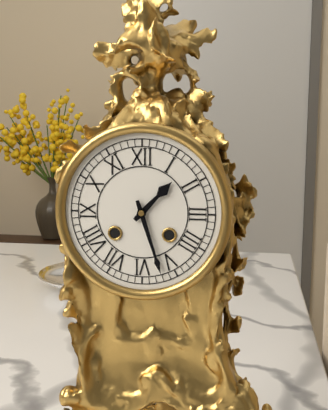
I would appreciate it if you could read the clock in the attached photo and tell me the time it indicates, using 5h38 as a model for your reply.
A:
1h27
